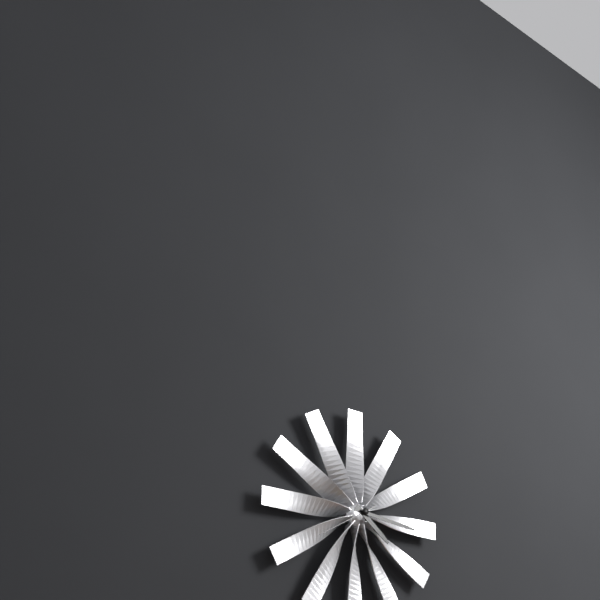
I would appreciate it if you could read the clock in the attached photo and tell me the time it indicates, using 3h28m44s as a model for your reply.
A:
4h16m40s
